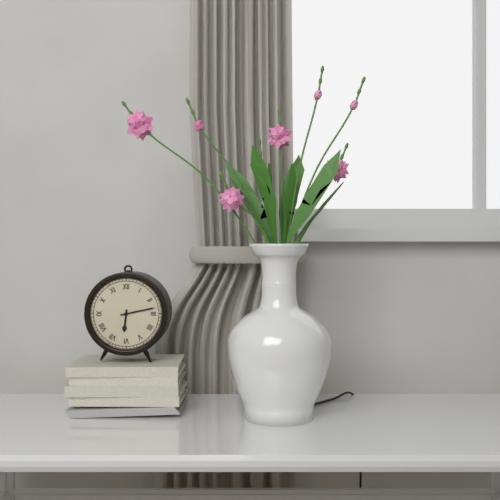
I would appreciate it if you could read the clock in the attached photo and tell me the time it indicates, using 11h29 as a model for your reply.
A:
6h13
